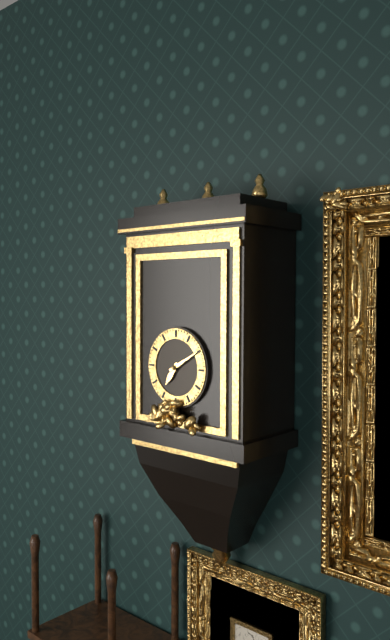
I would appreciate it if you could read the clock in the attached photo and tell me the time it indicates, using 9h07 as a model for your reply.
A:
7h10
